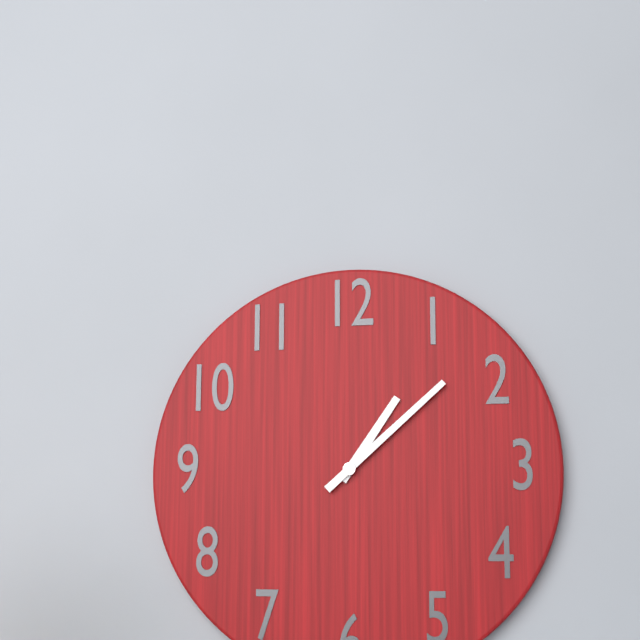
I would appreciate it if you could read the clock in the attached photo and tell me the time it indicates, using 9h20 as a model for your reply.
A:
1h08
